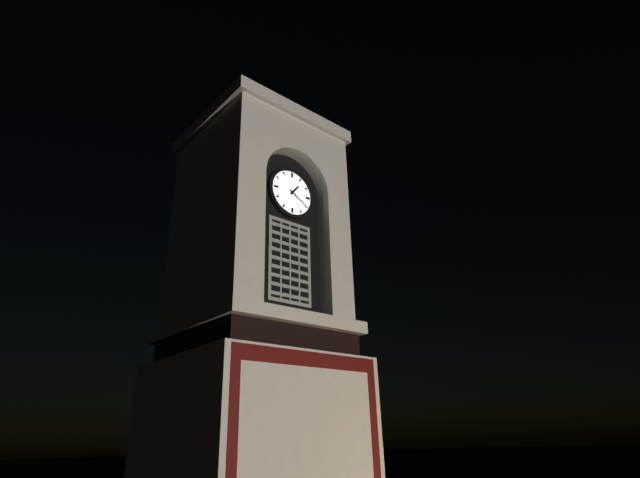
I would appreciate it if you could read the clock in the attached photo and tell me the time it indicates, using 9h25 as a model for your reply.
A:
1h20
